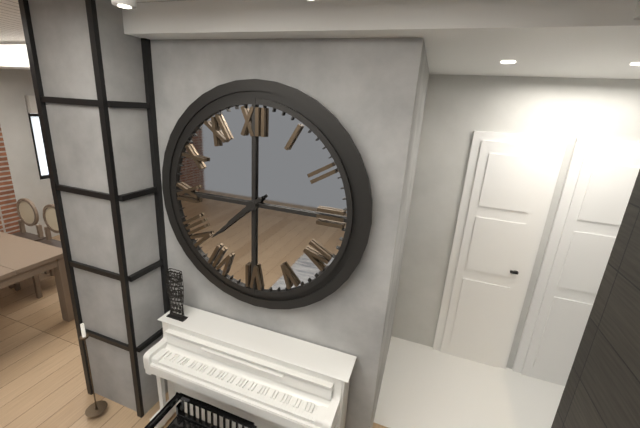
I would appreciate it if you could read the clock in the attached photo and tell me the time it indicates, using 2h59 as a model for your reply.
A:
7h38
